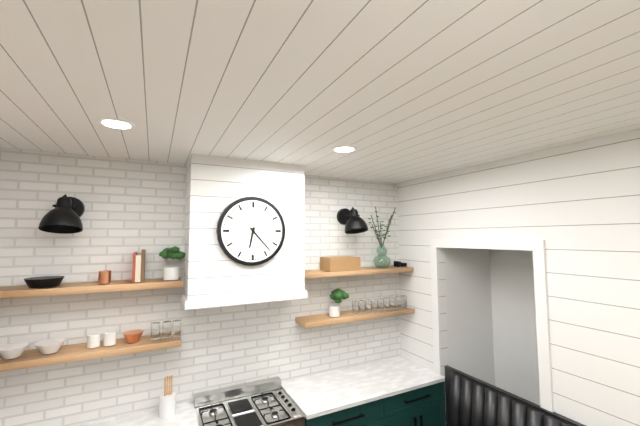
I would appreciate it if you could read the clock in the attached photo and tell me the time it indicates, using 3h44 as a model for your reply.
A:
6h23
